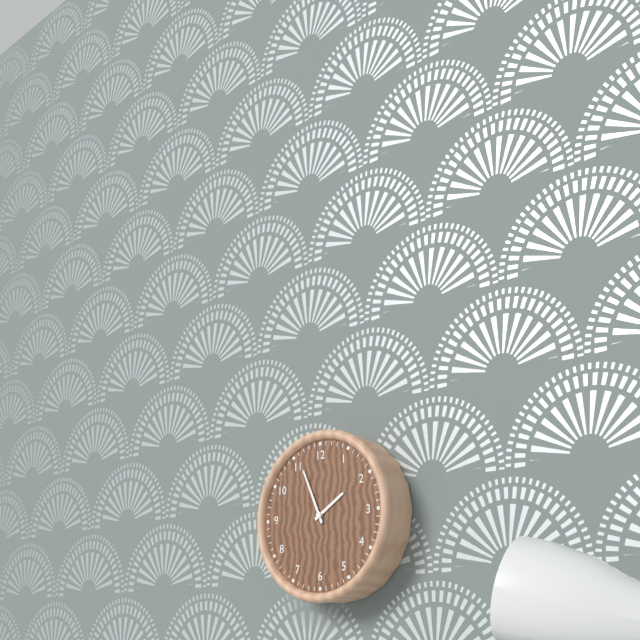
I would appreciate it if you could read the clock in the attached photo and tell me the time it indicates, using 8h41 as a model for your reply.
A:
1h56
